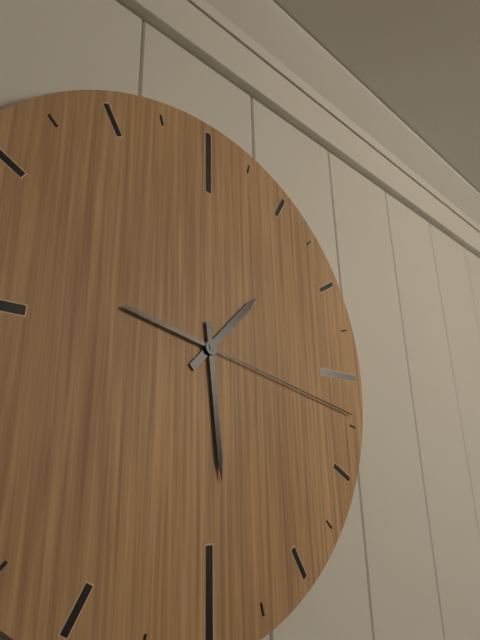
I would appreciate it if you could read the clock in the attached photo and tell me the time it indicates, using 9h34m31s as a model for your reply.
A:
1h29m17s
